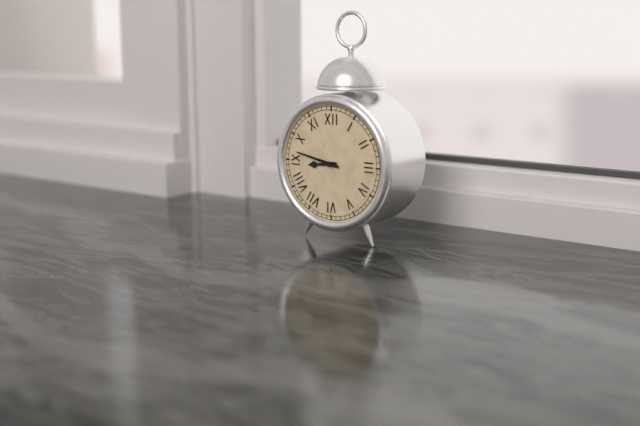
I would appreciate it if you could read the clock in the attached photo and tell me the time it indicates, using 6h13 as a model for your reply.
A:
8h47
